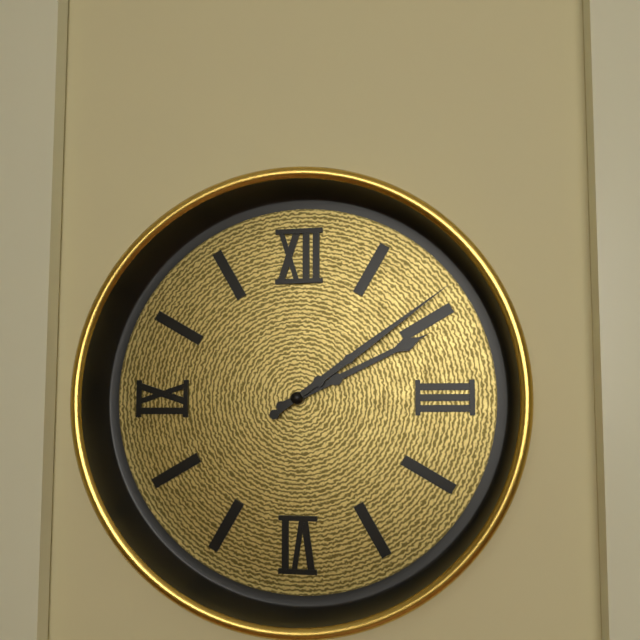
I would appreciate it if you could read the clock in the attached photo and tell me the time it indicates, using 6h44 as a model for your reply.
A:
2h09
